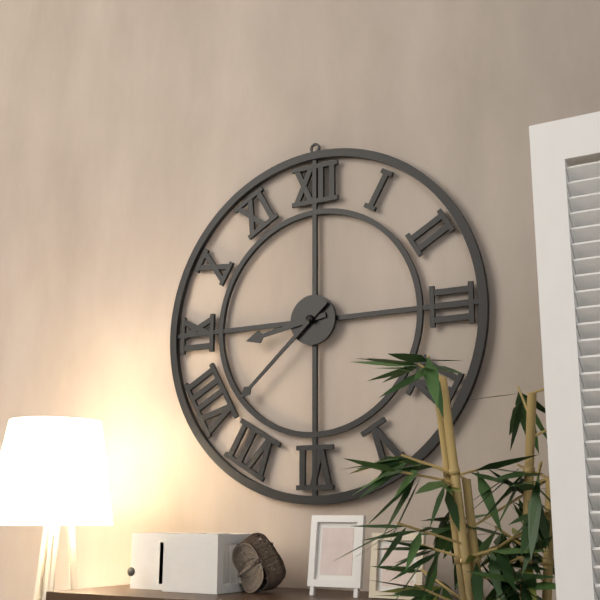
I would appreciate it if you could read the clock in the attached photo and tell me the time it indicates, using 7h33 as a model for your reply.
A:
8h38
